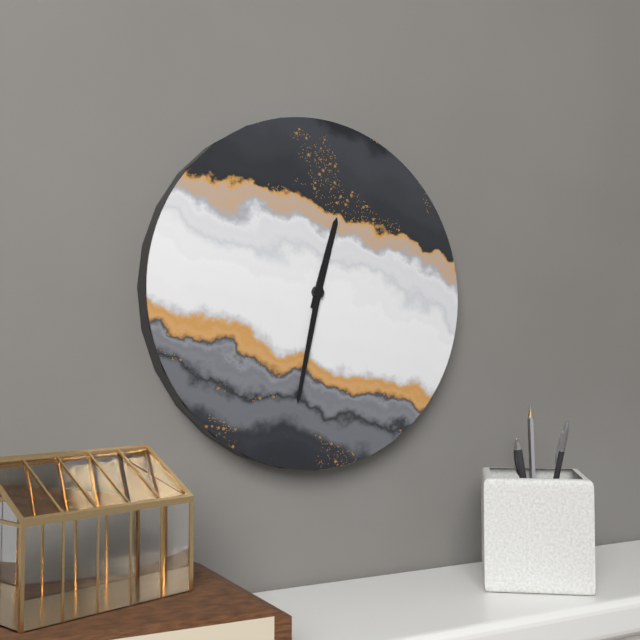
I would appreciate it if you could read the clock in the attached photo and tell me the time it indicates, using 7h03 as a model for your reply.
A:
12h32
